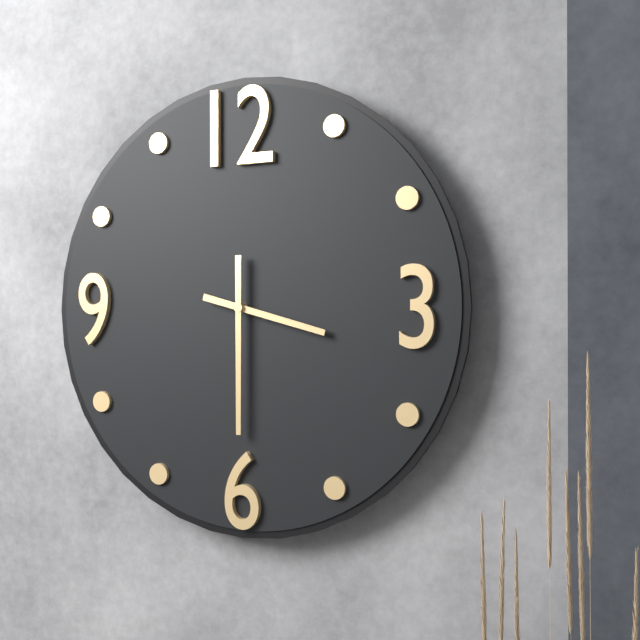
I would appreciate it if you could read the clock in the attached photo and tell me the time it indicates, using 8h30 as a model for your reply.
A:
3h30
